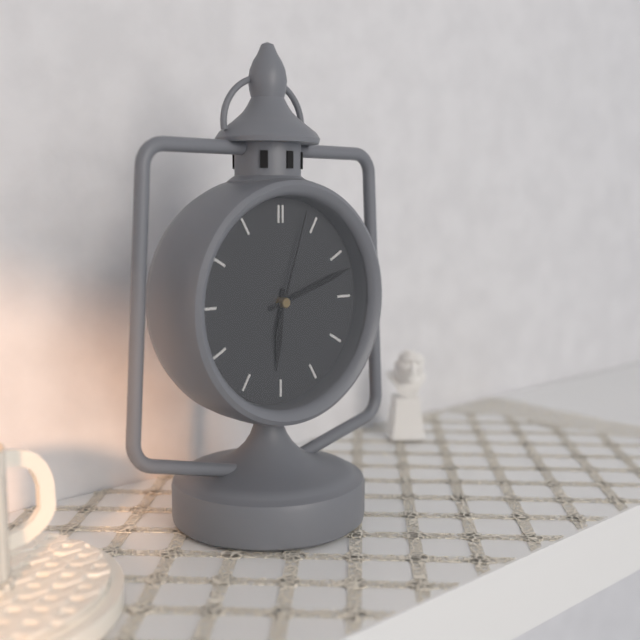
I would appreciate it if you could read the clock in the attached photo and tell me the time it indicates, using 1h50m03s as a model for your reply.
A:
6h12m03s
